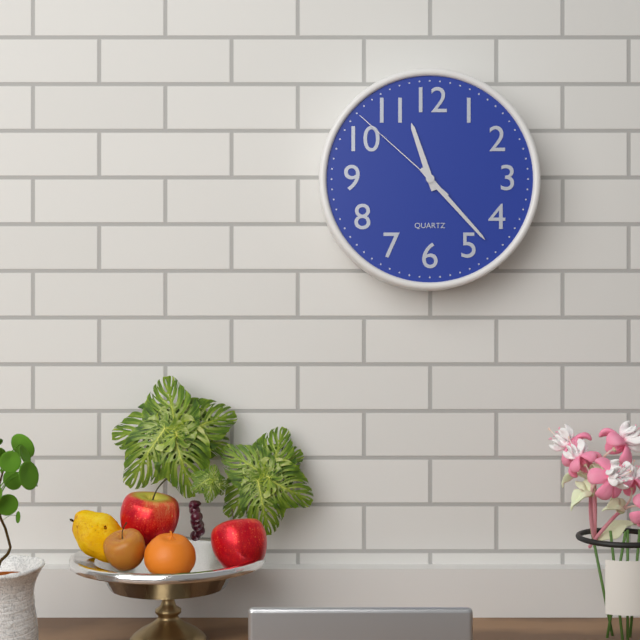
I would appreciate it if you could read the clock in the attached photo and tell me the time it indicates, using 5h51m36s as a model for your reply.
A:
11h23m52s
